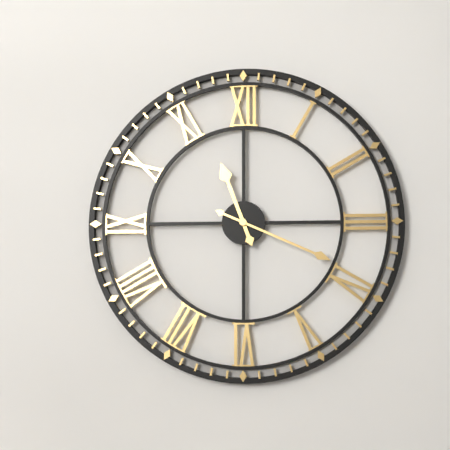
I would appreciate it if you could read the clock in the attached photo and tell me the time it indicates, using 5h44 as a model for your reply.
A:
11h19
